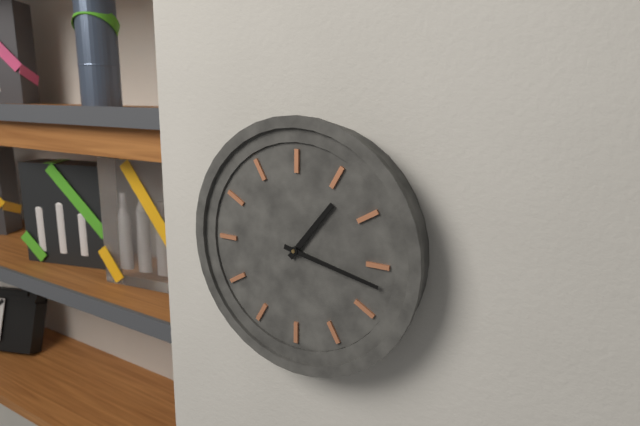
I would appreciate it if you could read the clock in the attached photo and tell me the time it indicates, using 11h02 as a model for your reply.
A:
1h17
